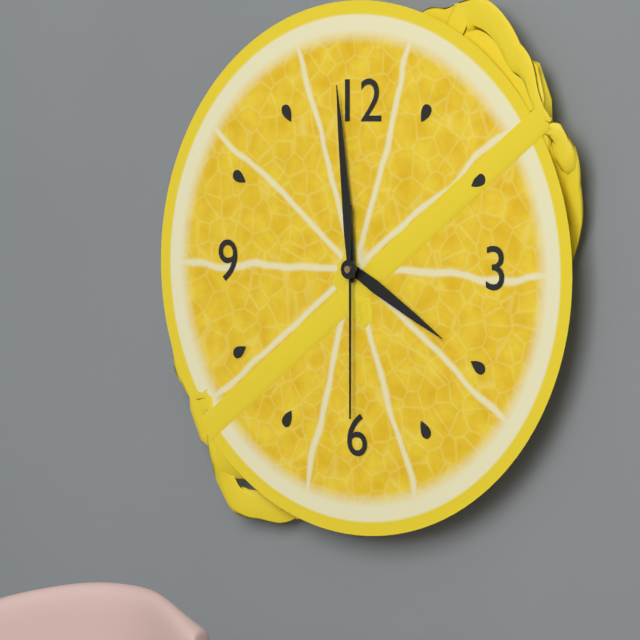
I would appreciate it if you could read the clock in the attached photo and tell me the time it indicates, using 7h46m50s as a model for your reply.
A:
3h59m30s
